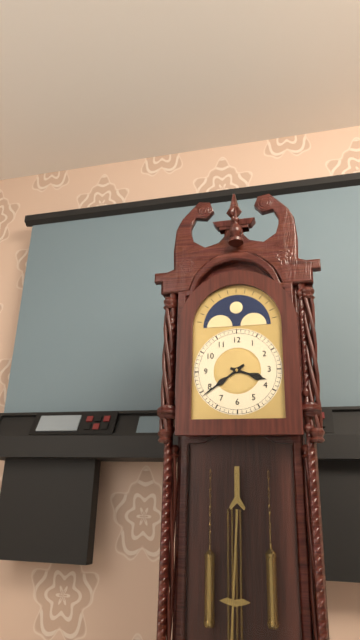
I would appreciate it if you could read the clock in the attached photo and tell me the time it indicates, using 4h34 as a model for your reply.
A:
3h39
